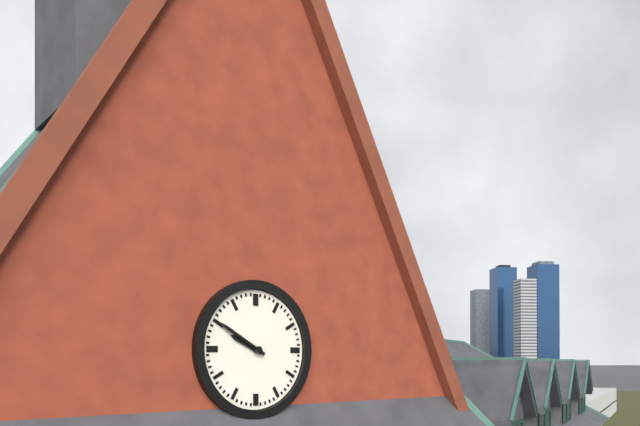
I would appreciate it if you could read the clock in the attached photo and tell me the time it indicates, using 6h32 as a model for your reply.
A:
9h50
